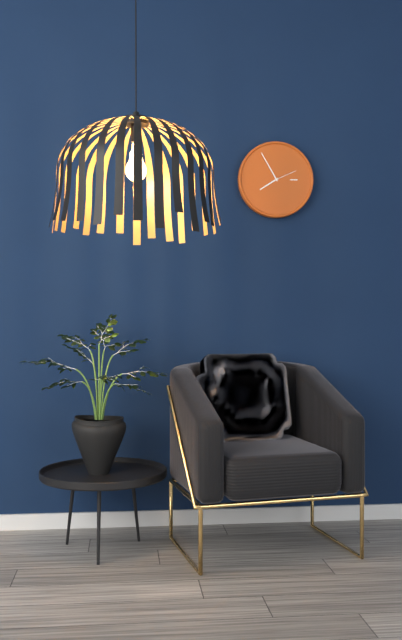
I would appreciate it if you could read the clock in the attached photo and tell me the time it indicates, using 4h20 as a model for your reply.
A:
7h55
